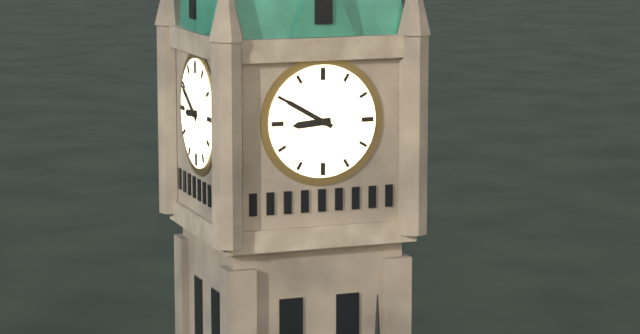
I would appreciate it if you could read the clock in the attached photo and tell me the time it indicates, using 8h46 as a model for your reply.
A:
8h50
